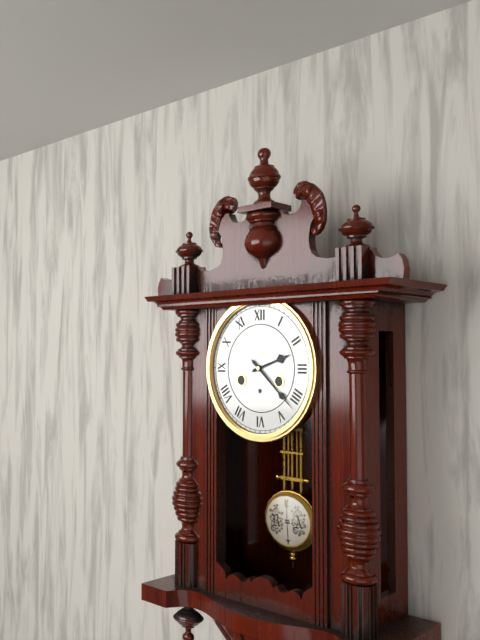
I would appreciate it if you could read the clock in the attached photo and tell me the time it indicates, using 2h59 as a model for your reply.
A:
2h22
